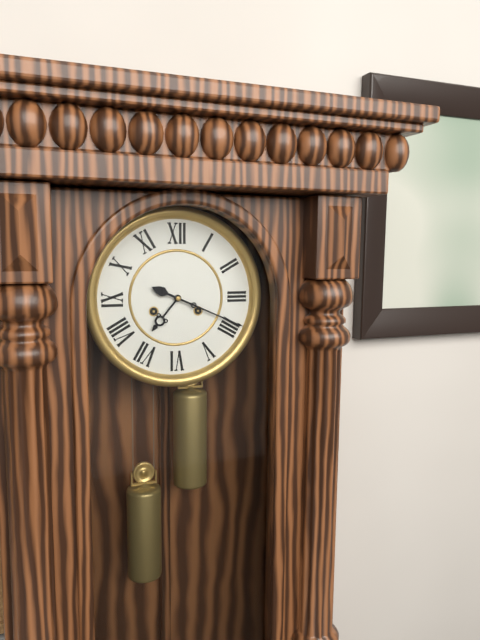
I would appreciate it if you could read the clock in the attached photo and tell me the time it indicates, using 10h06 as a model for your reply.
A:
7h19
